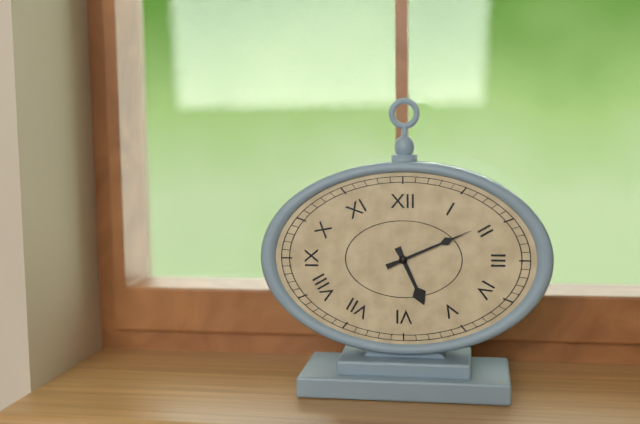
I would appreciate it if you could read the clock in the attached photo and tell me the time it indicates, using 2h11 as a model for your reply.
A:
5h11
